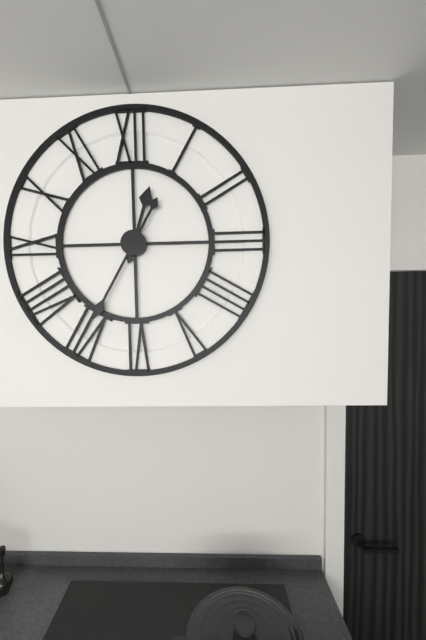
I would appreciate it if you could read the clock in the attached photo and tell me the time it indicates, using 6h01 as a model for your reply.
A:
12h35
